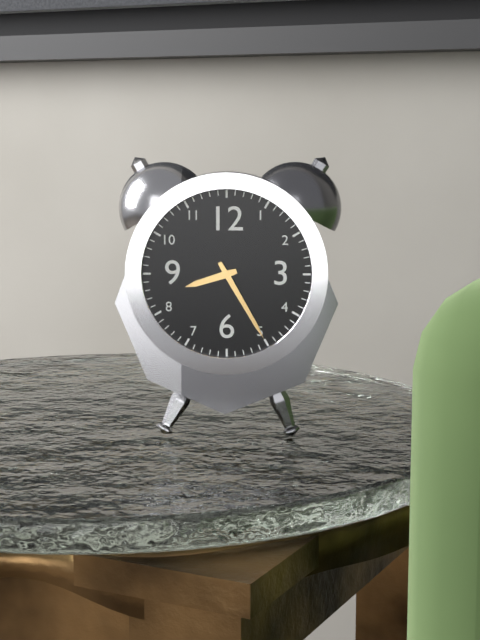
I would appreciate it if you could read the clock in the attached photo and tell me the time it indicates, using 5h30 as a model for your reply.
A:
8h25
